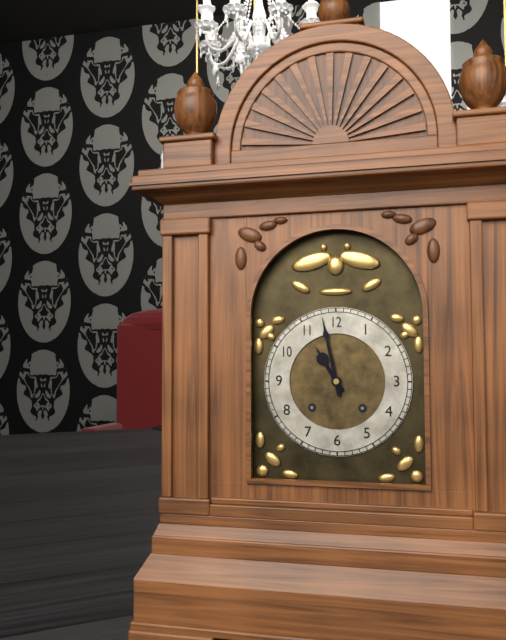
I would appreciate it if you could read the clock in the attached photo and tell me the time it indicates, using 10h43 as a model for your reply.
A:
10h58
